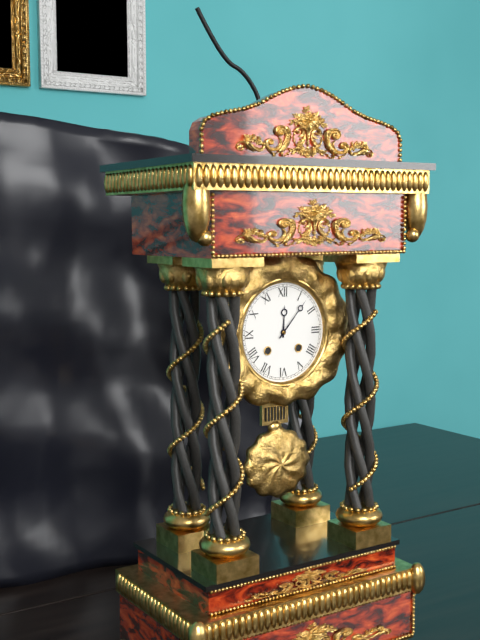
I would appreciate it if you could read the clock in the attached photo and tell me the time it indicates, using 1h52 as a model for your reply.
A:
12h07
